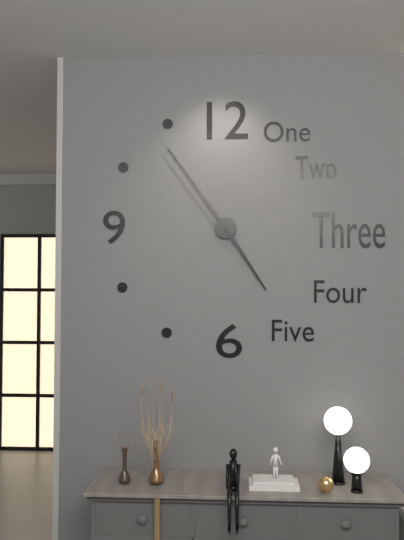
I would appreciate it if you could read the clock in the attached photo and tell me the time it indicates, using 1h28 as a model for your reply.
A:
4h54
